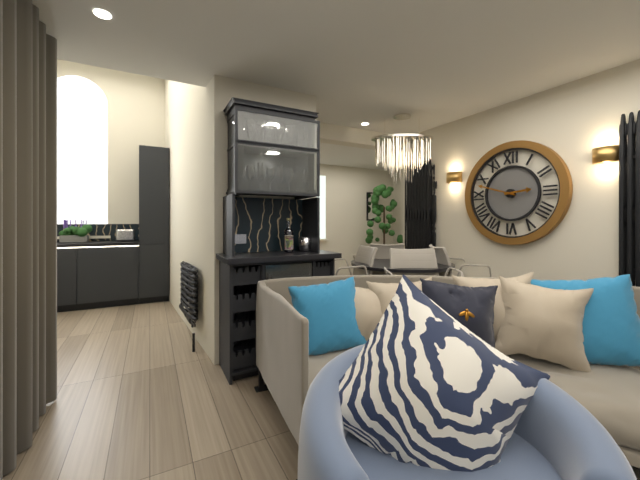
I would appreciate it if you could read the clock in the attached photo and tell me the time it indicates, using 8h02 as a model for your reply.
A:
2h48
